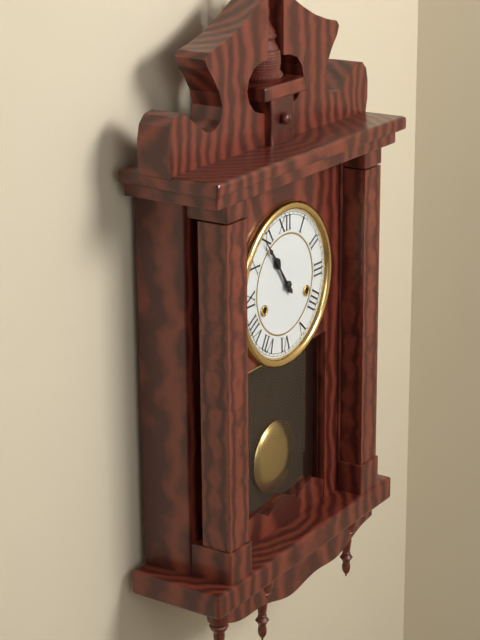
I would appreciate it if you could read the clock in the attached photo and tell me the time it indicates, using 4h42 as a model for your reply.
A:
10h54
